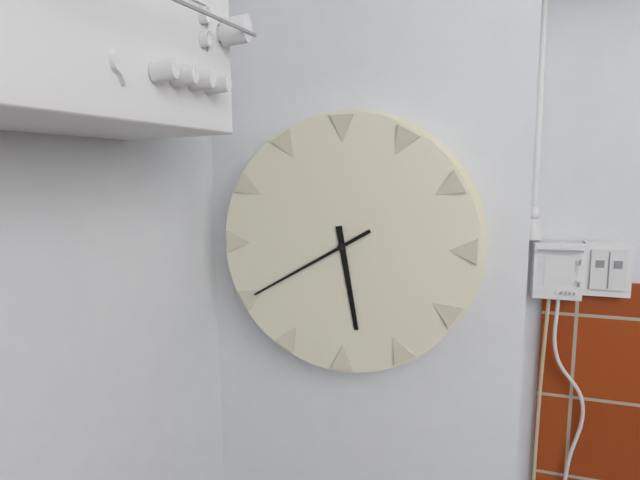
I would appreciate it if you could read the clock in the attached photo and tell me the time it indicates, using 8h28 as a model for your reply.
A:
5h40
